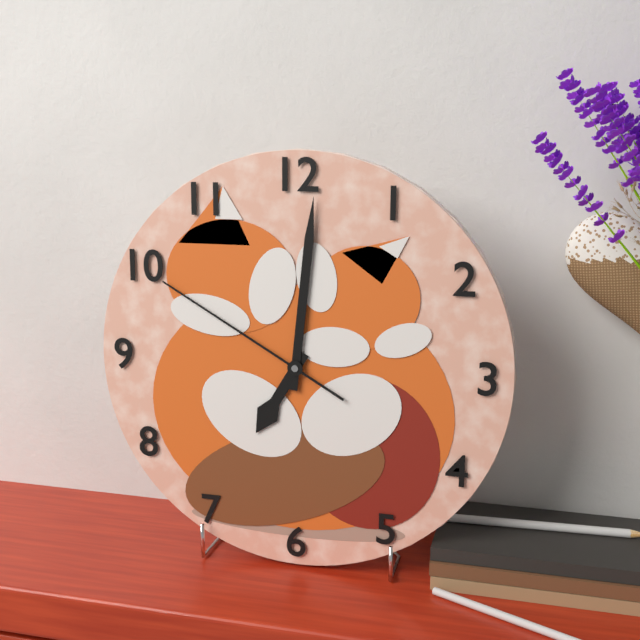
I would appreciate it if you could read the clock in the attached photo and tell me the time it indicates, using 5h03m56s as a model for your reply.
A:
7h01m50s
